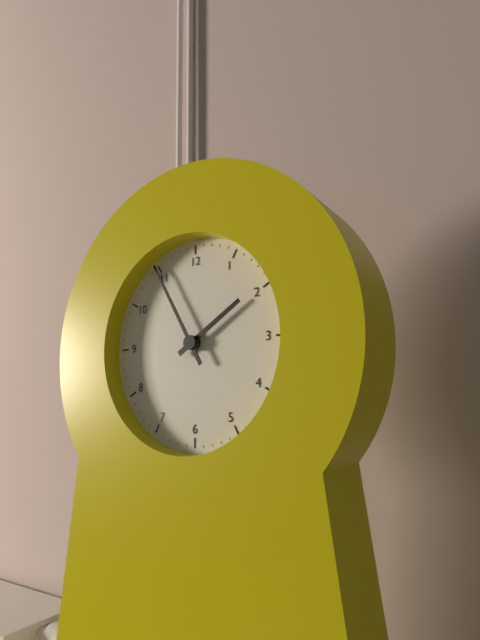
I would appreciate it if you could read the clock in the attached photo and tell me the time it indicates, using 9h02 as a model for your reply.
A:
1h55
